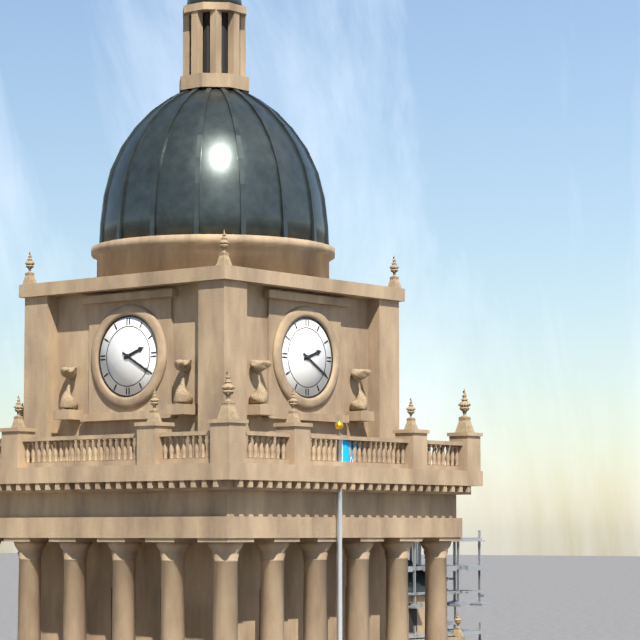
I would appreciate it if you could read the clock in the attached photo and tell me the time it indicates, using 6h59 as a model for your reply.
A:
2h20
